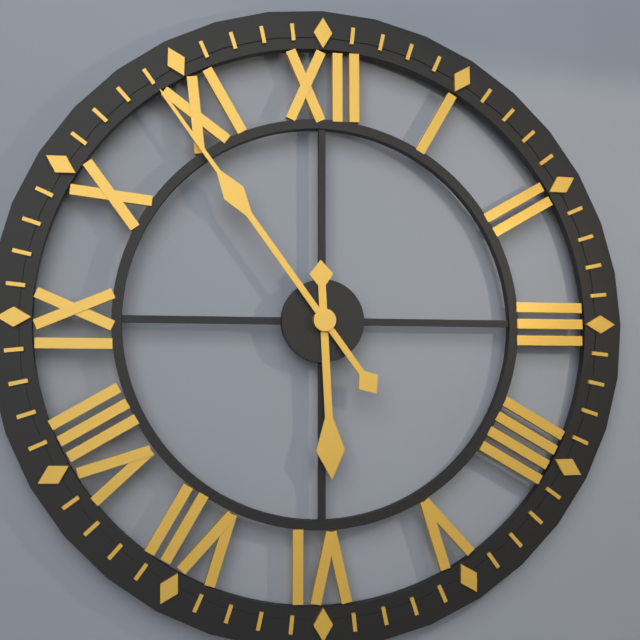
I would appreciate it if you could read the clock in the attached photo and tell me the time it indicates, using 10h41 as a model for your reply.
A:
5h54
